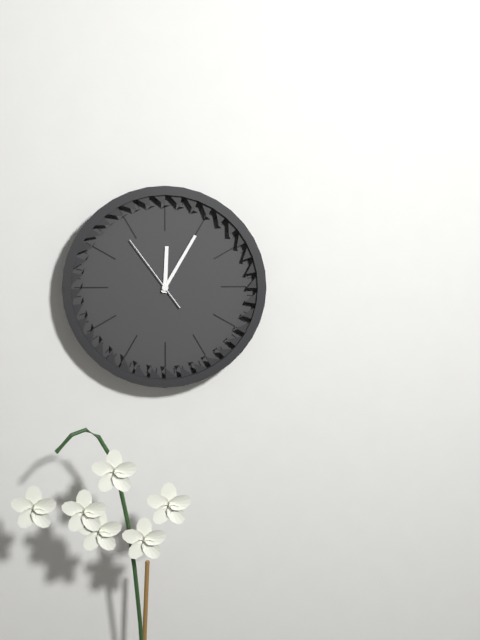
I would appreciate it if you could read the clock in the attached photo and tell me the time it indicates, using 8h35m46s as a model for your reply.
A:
12h05m54s
